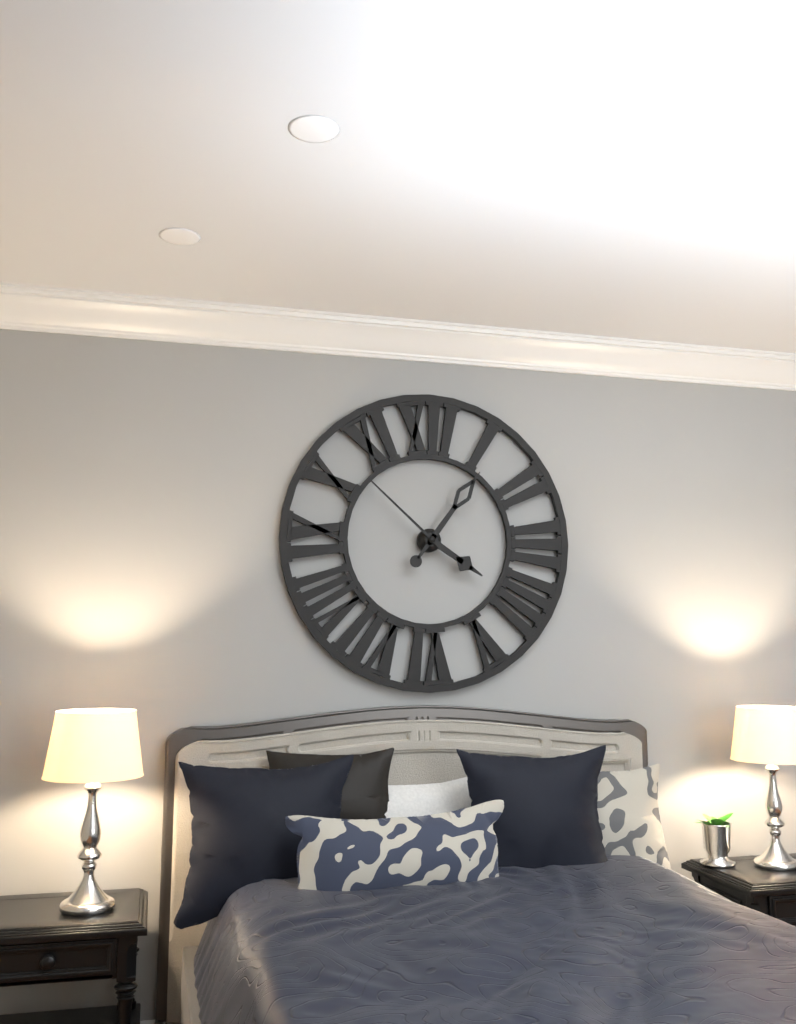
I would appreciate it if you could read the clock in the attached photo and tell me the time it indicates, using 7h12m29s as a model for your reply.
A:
4h06m52s
